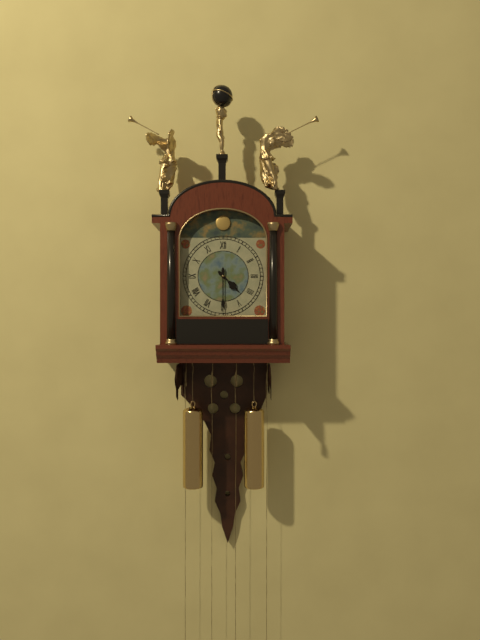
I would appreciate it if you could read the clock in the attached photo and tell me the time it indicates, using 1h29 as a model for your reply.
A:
4h30
